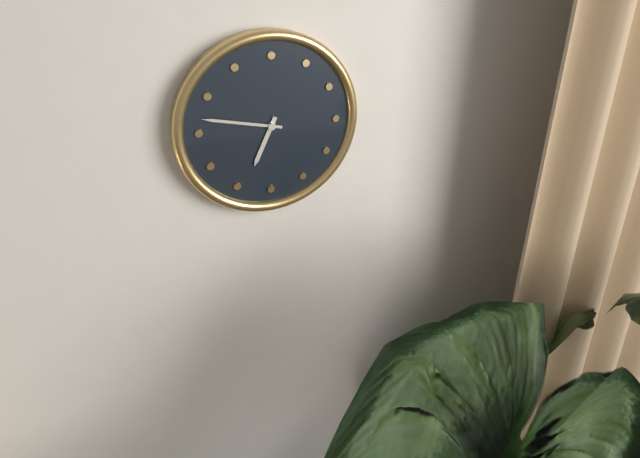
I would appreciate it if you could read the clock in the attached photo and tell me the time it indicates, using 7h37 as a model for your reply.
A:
6h47
